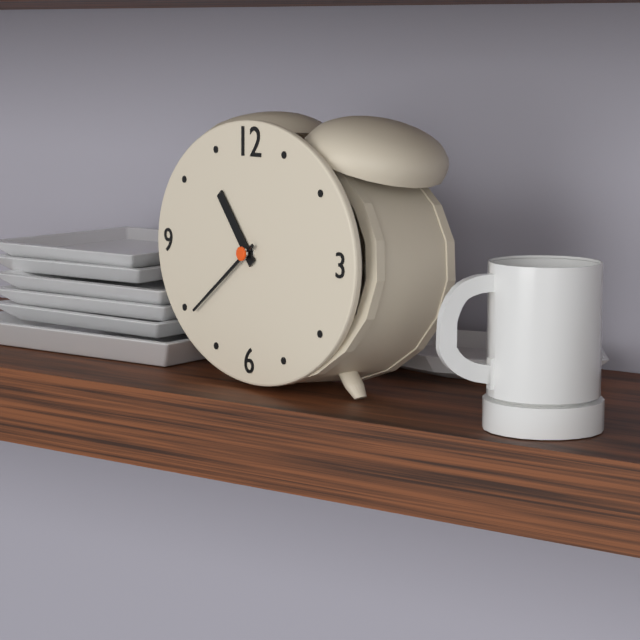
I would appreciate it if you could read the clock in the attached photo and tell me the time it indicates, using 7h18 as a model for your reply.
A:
10h39
